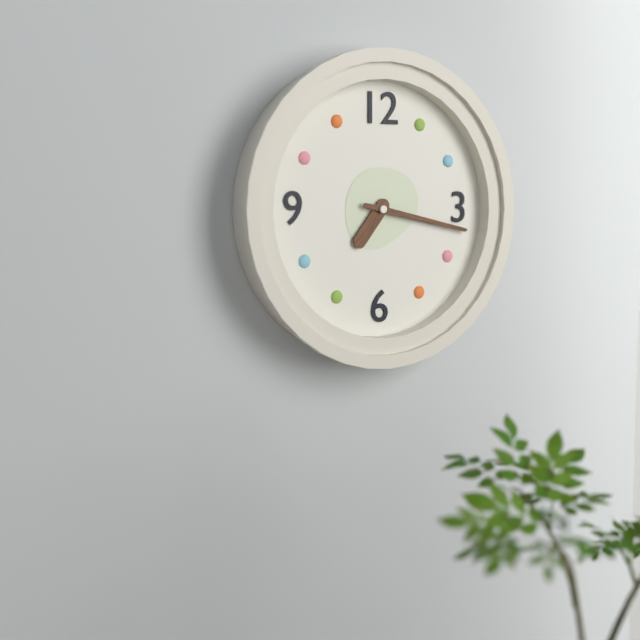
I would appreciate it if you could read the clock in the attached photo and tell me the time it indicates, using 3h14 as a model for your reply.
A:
7h17
